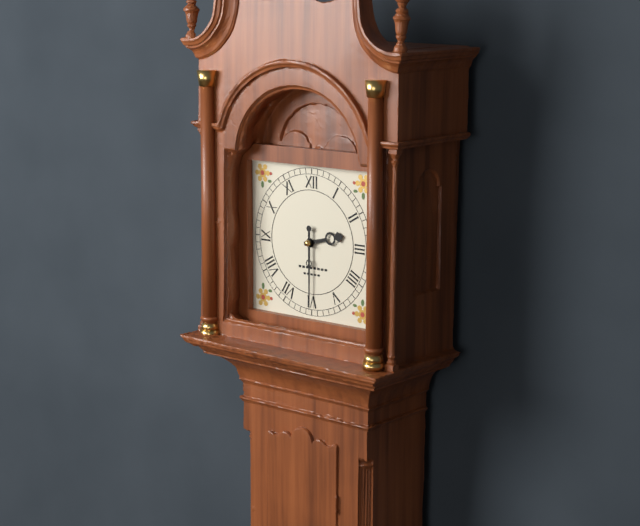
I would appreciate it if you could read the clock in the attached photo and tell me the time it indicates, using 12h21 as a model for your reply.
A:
2h30
